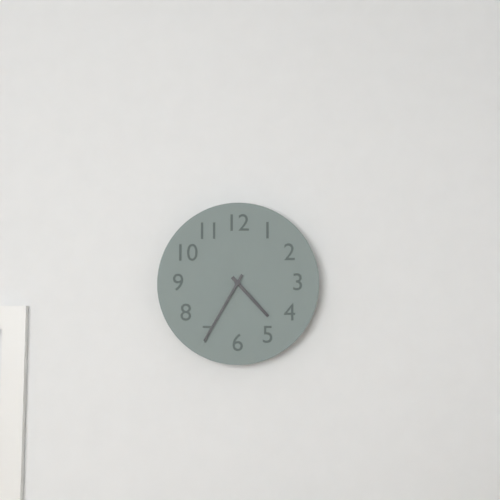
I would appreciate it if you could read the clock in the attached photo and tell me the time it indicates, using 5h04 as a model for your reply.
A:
4h35
